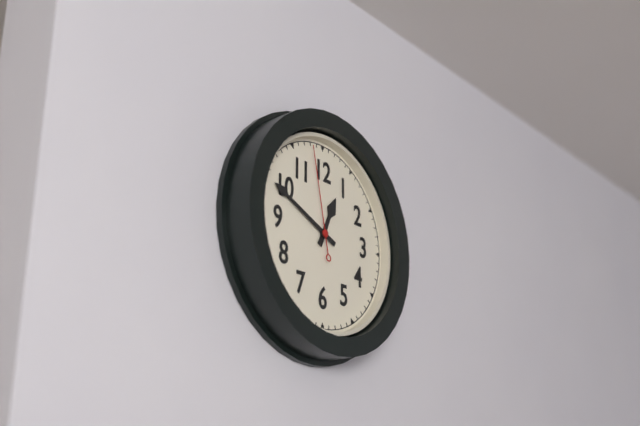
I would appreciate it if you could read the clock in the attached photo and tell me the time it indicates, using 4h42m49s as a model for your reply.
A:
12h49m58s
